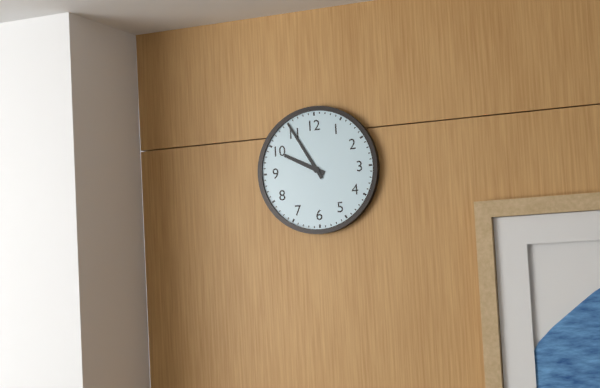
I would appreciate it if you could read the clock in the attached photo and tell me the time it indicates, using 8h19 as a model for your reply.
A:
9h55
